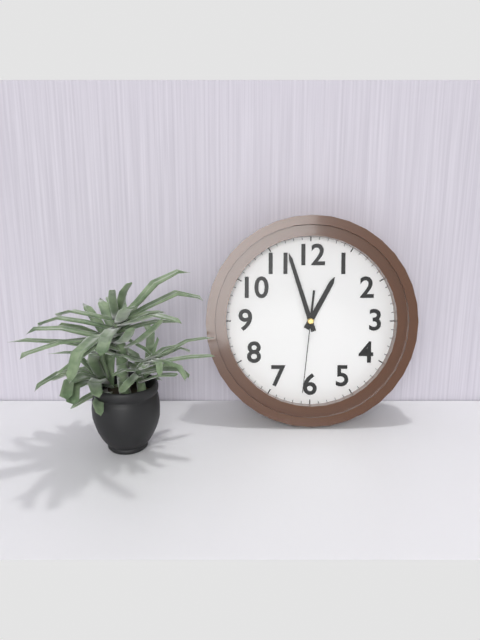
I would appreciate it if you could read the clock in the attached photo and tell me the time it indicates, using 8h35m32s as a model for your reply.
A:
12h57m31s
